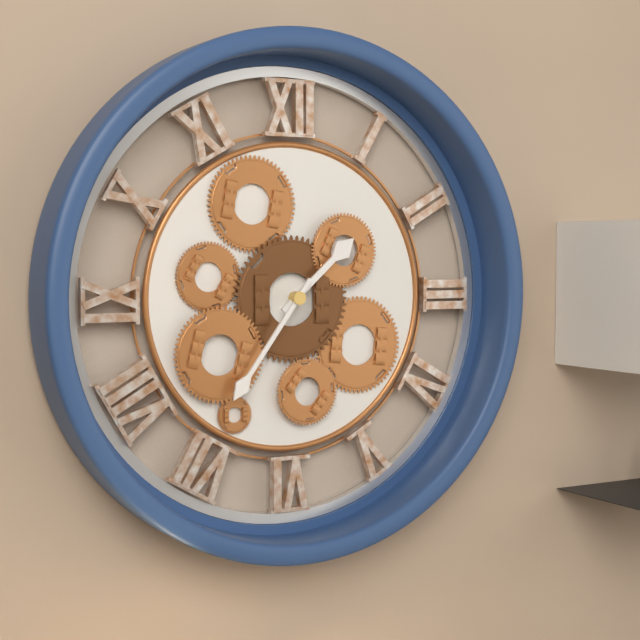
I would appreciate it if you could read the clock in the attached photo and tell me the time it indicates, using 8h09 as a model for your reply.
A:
1h36
